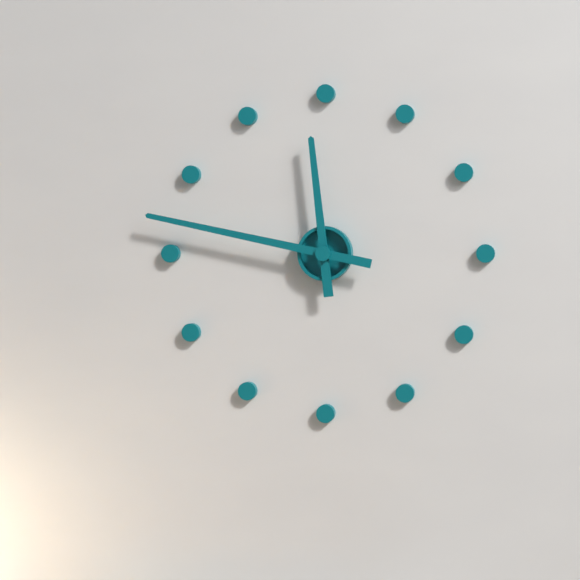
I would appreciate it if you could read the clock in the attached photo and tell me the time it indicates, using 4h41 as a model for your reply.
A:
11h47
